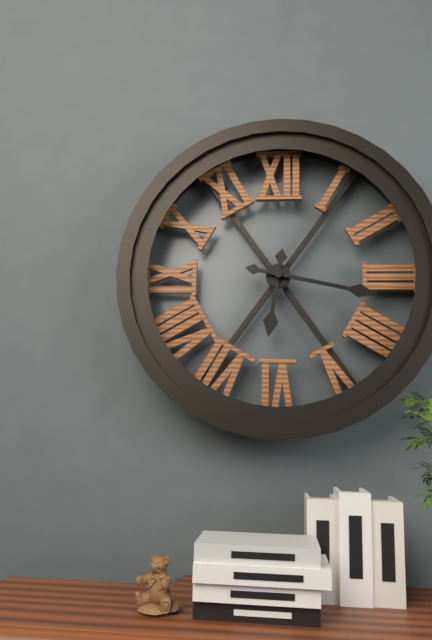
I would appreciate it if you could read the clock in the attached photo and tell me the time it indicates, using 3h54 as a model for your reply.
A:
6h17
